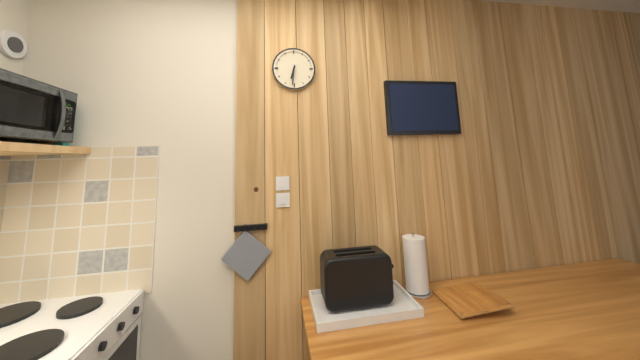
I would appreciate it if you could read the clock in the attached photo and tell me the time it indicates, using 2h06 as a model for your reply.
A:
6h31
